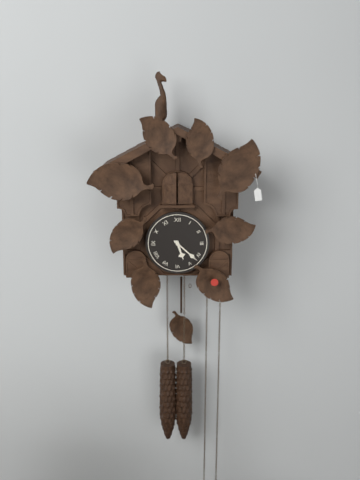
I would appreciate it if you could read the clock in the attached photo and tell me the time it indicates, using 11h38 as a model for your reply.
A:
5h22
